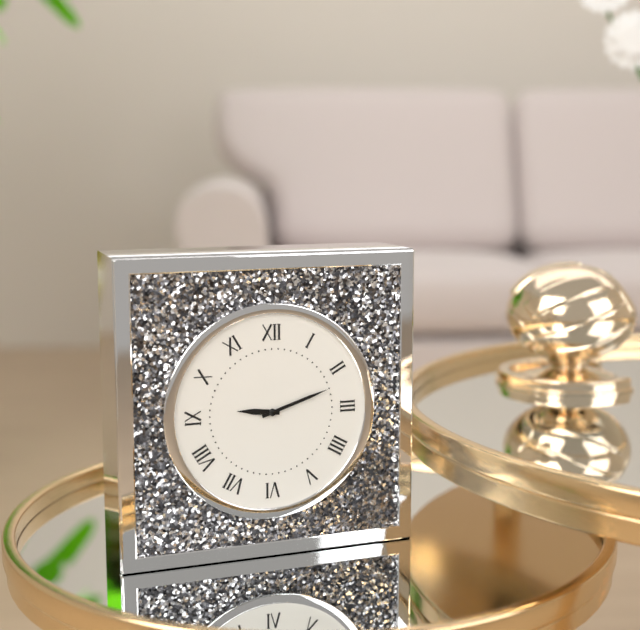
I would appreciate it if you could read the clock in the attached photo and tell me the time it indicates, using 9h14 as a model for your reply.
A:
9h12
